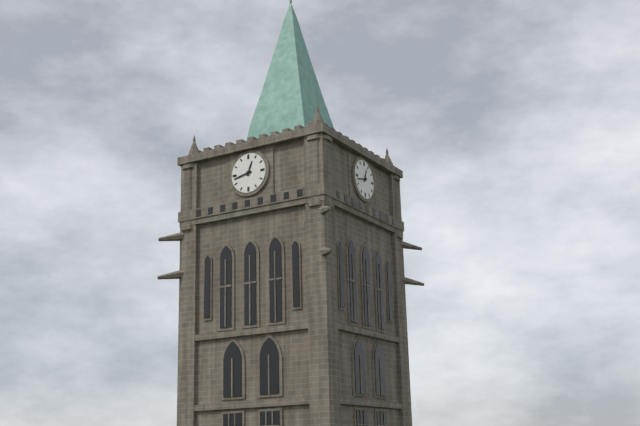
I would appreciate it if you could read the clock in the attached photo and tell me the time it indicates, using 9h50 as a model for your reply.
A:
12h43
